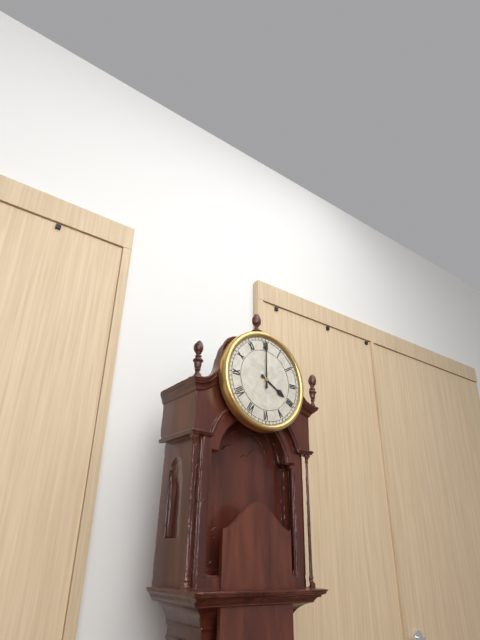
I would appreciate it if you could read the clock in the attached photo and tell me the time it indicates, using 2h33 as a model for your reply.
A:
4h00
